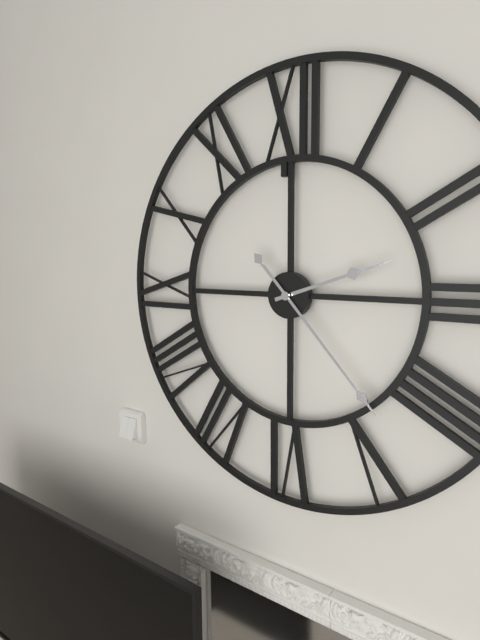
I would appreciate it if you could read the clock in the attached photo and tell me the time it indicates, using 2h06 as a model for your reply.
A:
2h23
